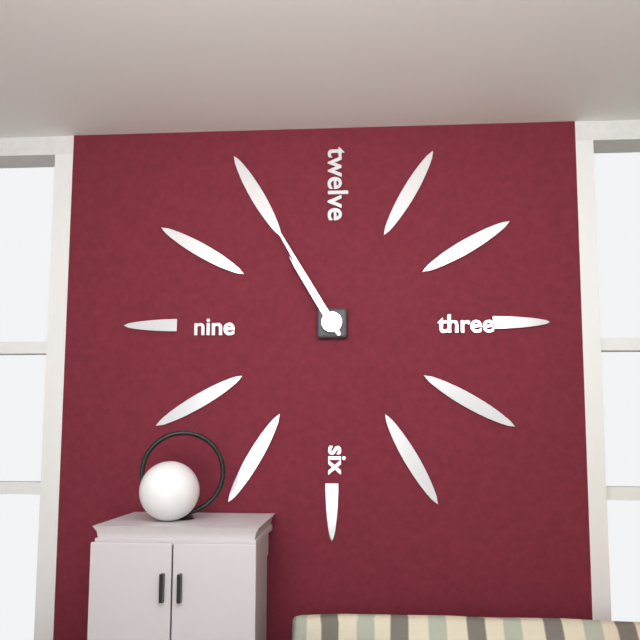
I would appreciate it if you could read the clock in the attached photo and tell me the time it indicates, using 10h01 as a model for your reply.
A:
10h55
